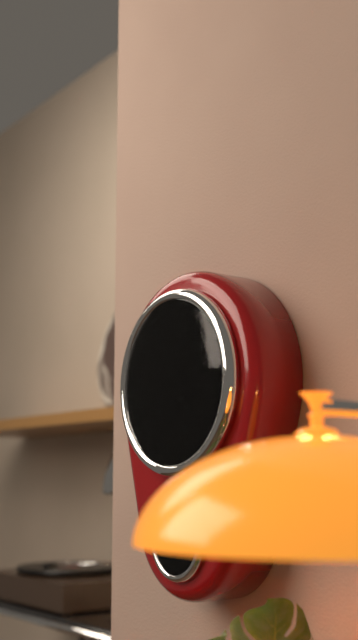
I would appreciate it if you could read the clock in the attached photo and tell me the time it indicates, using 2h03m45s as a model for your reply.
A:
2h02m50s
